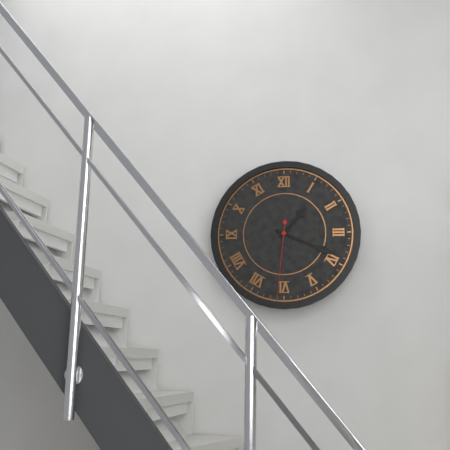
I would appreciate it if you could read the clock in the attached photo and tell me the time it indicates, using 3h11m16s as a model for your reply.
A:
1h19m31s
